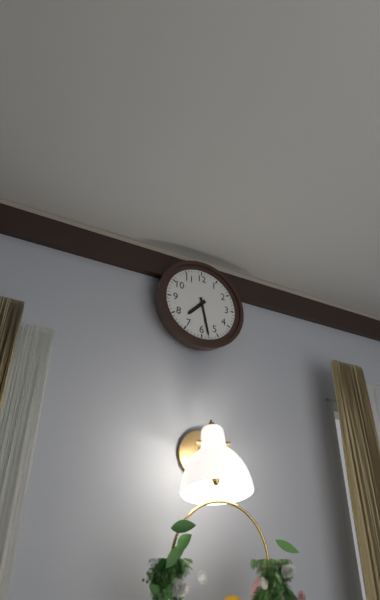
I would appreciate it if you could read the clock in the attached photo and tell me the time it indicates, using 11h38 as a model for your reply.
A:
7h28
